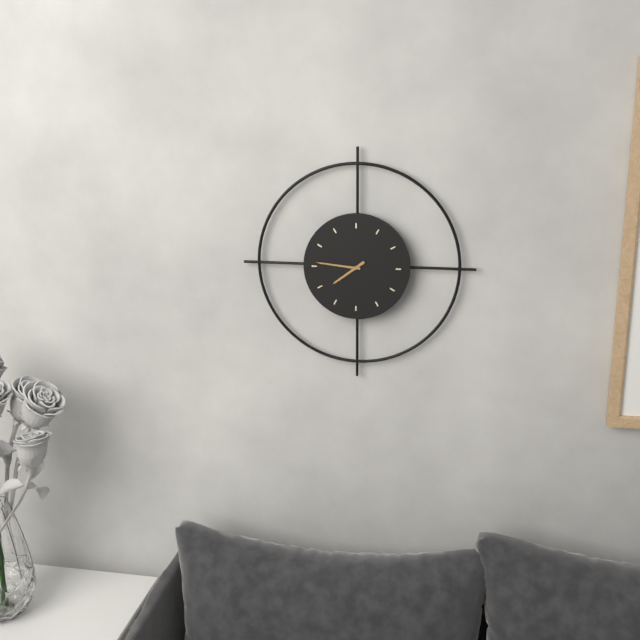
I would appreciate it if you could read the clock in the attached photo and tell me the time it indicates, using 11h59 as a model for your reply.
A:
7h46
